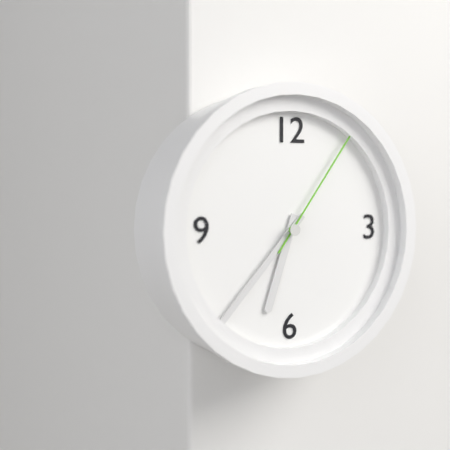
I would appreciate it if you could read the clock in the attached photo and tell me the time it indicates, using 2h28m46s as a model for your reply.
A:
6h37m06s
